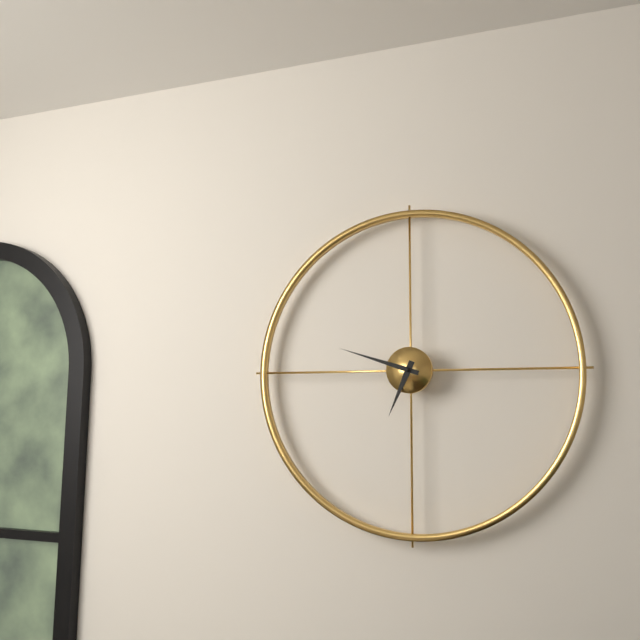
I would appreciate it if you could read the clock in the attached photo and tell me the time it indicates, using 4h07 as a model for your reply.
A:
6h48
